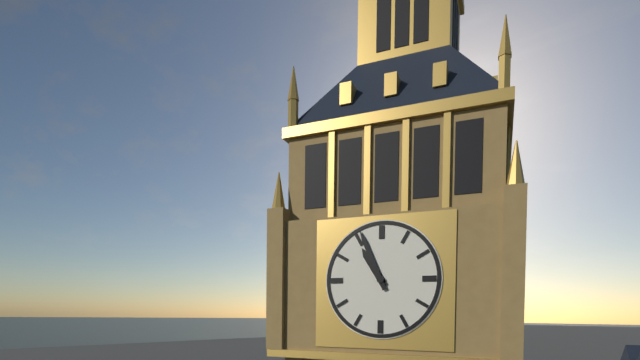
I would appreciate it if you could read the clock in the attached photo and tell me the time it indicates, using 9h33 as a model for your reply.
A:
10h56
